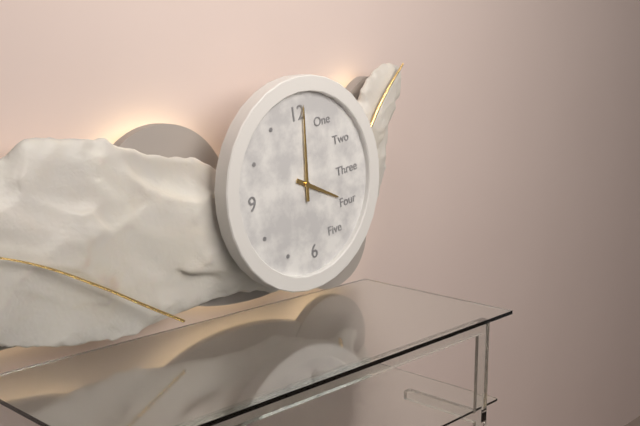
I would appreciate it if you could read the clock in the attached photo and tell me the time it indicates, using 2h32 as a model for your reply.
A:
4h01
